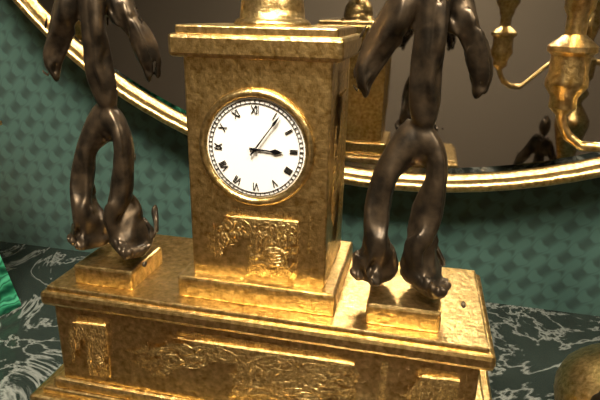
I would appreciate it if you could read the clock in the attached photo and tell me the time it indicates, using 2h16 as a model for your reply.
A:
3h06
